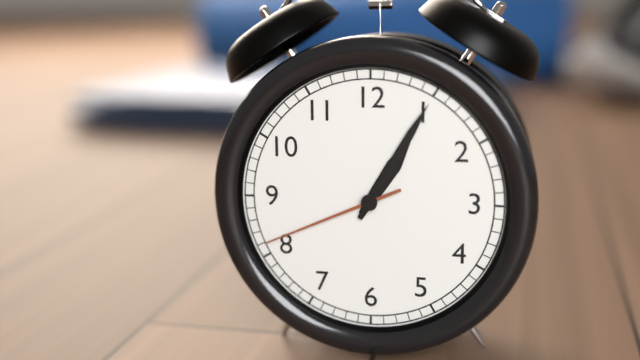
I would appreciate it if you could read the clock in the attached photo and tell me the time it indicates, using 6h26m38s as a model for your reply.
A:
1h05m41s
